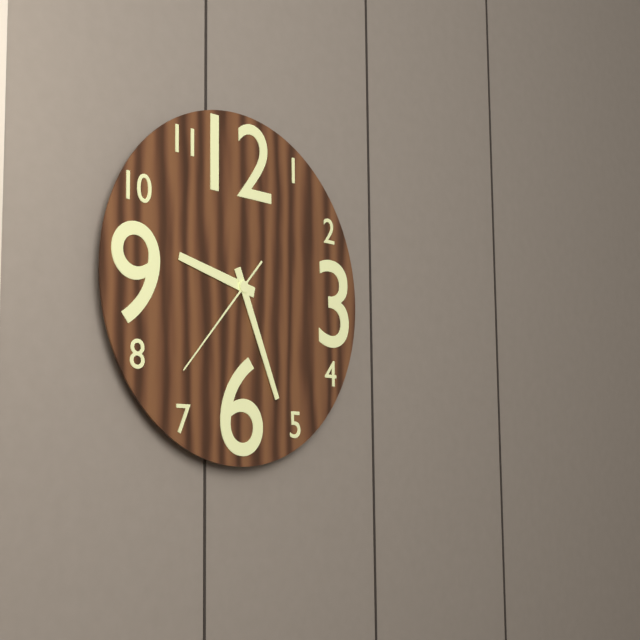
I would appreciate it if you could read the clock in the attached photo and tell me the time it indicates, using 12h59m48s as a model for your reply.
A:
9h26m37s
